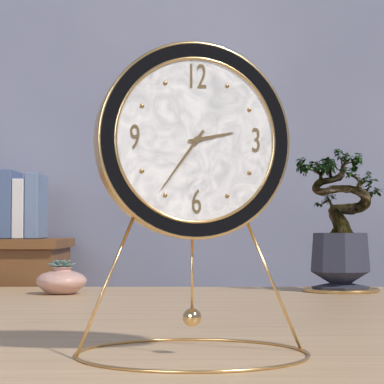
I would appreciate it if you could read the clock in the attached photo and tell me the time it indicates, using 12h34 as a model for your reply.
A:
2h36
